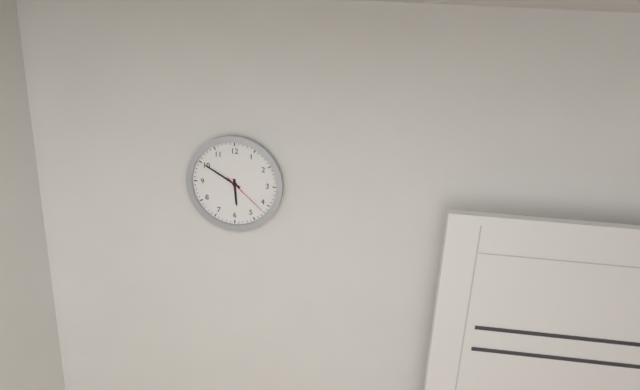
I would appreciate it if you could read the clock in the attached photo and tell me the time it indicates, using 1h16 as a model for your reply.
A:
5h50
